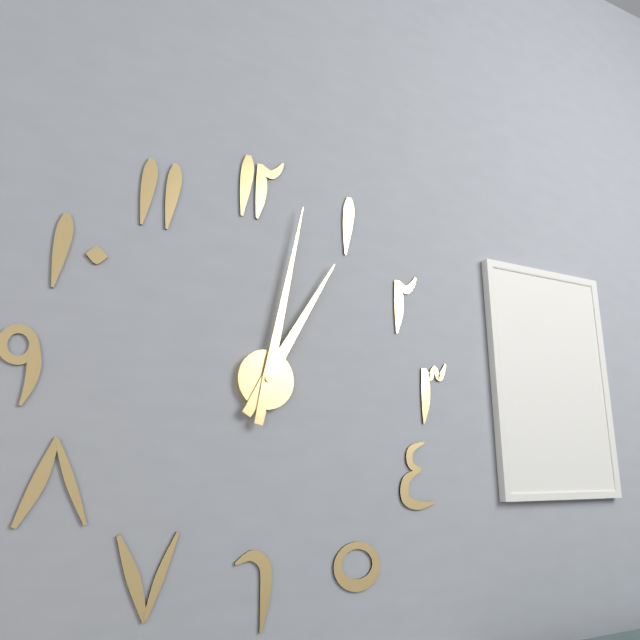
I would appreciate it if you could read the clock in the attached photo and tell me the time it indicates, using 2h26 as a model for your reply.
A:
1h02
